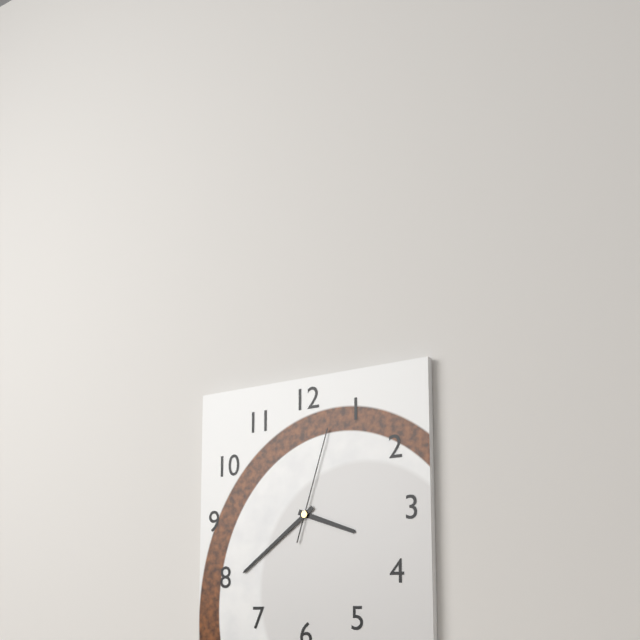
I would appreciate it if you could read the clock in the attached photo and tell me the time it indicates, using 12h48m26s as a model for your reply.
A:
3h39m03s
